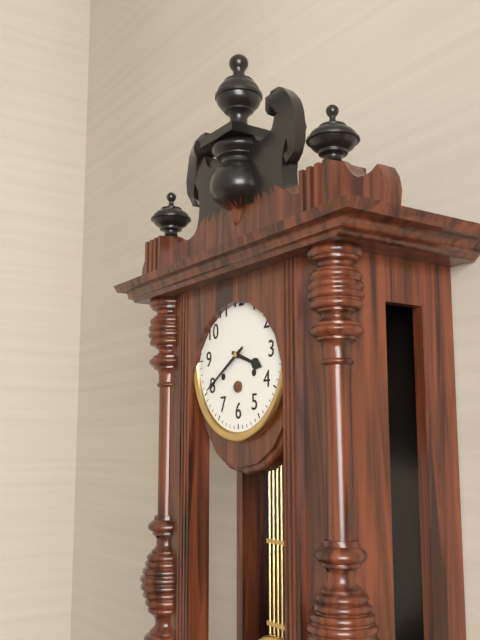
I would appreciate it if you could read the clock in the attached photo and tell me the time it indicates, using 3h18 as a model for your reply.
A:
3h40
